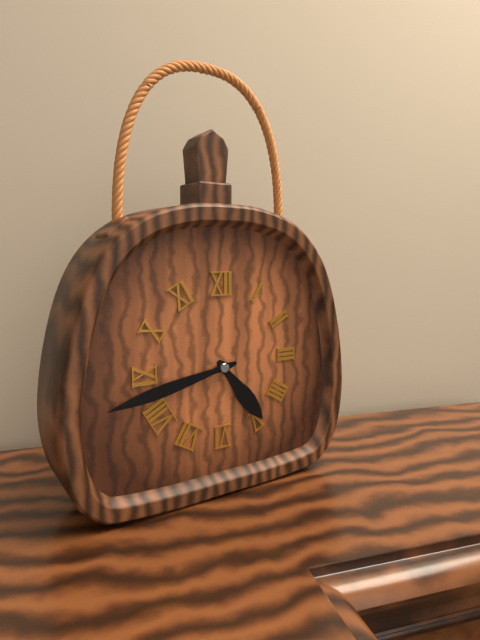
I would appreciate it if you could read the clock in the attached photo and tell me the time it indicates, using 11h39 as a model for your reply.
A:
4h43
